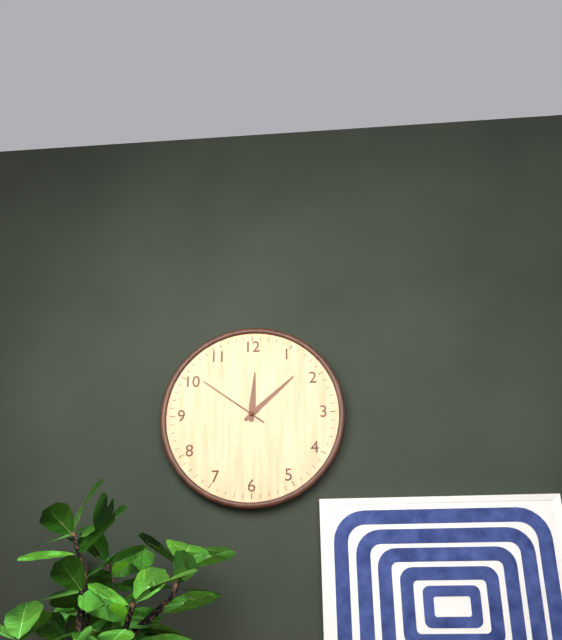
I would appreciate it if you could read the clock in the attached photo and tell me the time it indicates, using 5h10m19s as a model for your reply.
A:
12h08m51s
